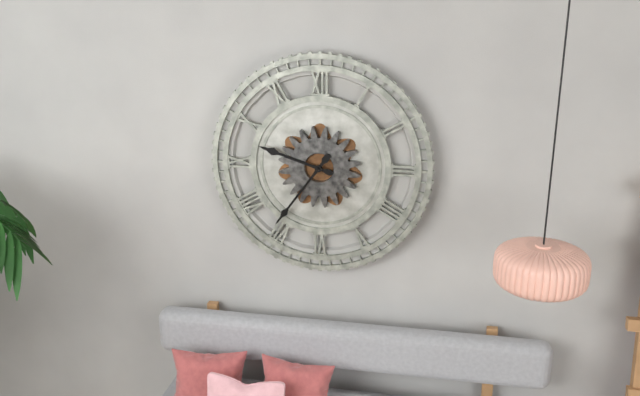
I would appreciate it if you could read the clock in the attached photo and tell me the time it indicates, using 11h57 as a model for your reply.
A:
9h36
